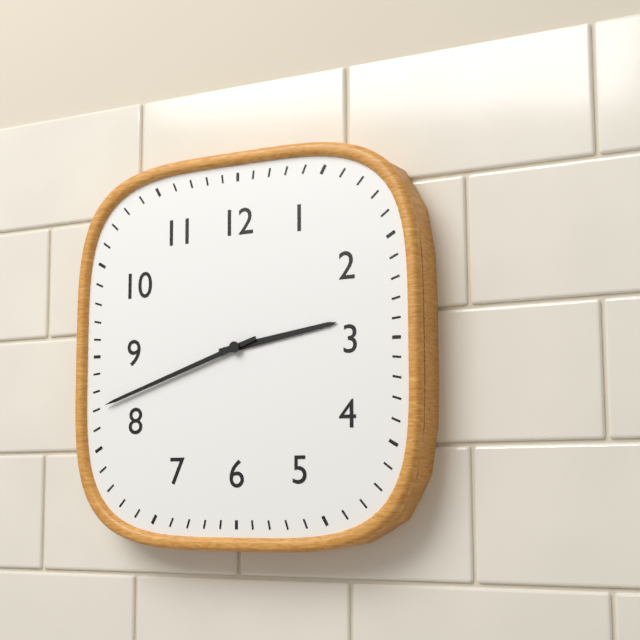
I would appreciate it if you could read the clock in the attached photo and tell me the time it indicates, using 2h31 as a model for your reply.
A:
2h42
